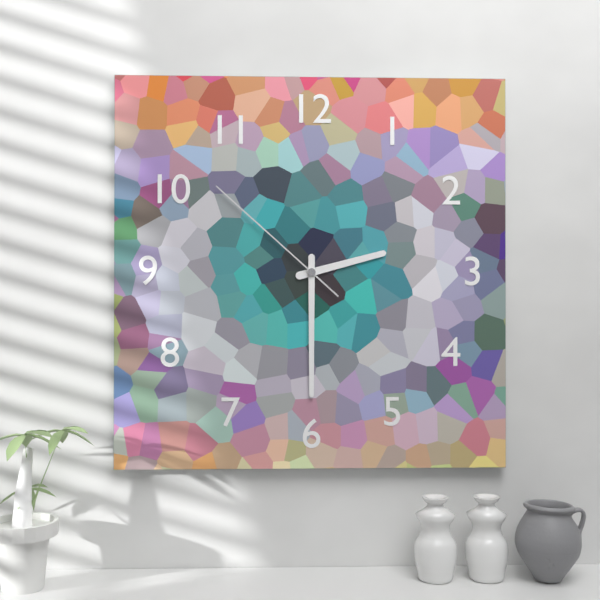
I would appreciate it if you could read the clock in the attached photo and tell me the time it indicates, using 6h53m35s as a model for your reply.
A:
2h30m52s
